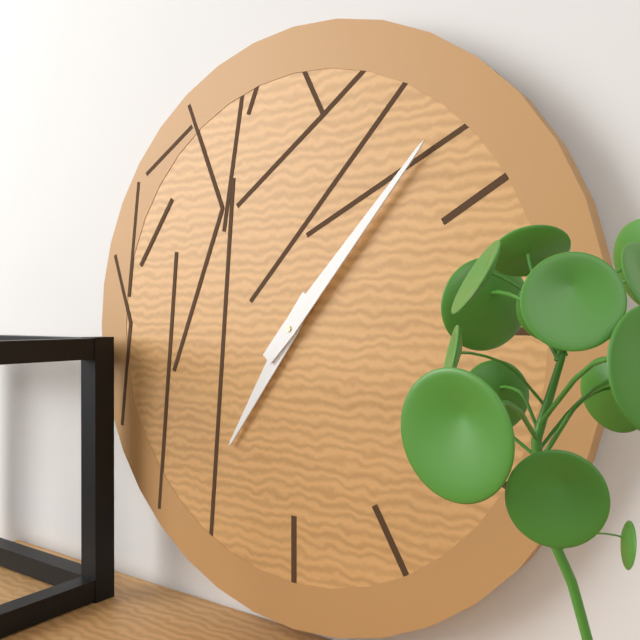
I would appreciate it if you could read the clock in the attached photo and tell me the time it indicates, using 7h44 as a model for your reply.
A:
7h07
